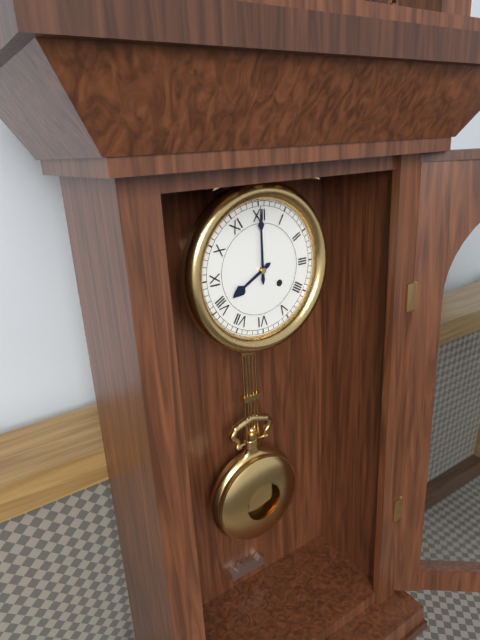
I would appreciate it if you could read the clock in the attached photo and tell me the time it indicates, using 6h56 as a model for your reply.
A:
8h00
